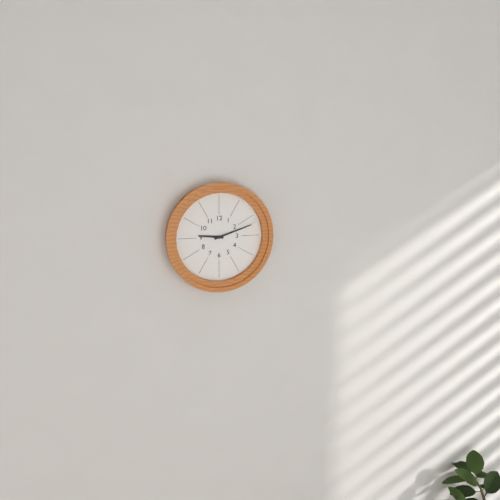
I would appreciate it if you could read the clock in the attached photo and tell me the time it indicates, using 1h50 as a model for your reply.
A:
9h12
